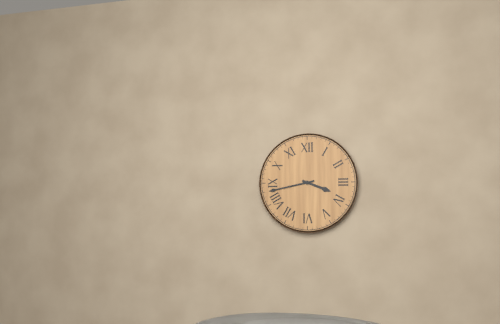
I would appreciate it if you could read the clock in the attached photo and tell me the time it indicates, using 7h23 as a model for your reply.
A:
3h43
